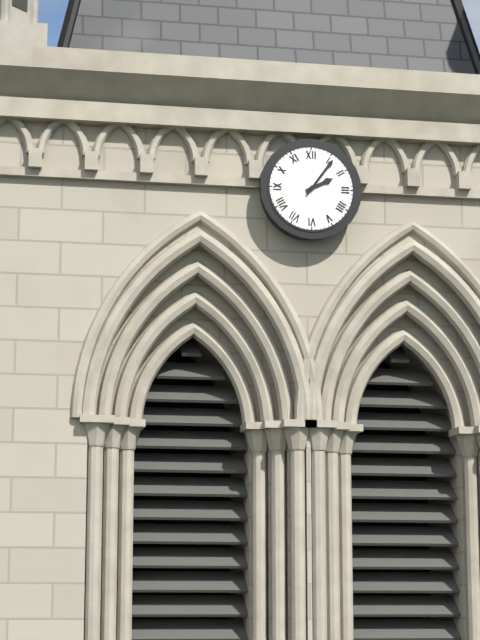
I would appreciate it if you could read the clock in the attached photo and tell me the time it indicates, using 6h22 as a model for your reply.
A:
2h06
